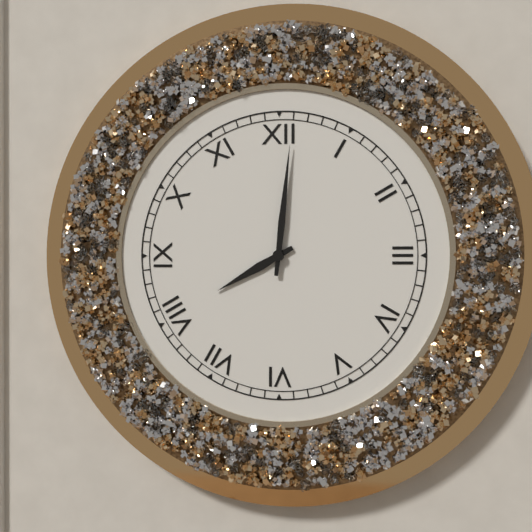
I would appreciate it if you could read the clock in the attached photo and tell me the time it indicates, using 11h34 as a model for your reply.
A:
8h01
